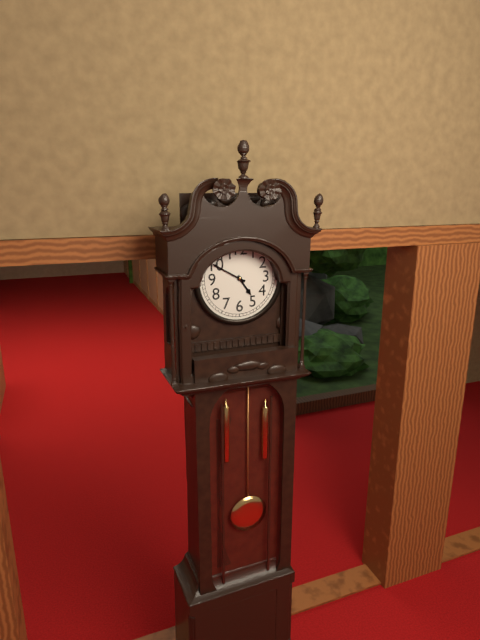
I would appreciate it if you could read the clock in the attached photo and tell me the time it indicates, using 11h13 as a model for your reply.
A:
4h50
